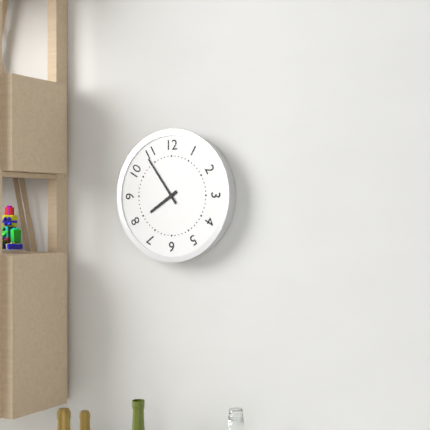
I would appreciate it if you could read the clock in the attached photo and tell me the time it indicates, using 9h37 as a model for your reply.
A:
7h54
